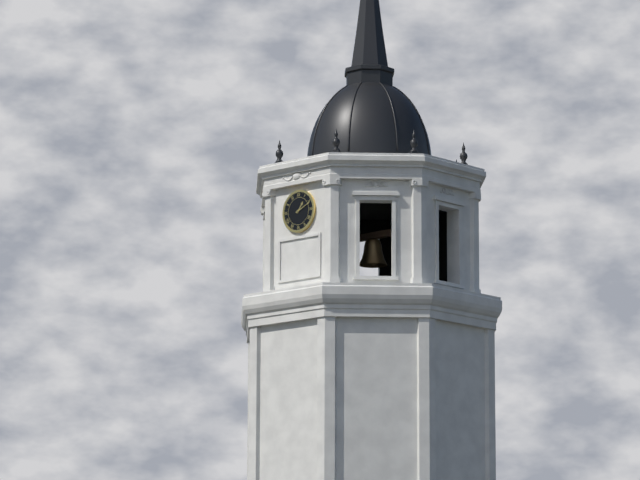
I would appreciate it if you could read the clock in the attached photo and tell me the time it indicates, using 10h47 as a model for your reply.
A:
1h11
